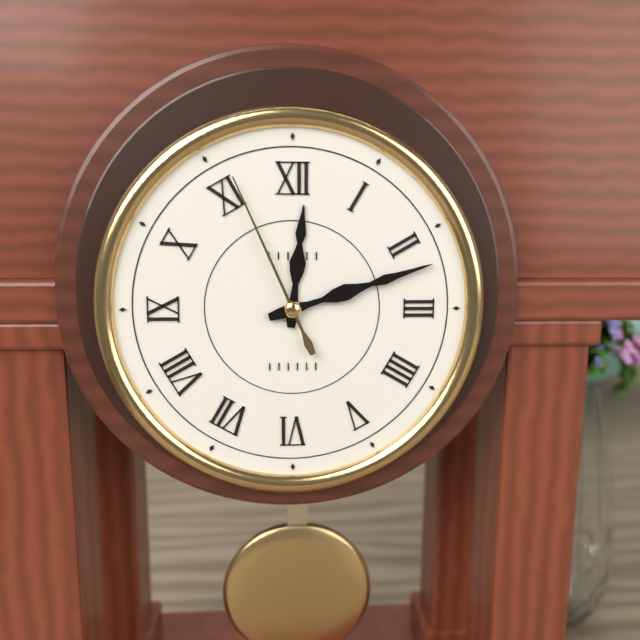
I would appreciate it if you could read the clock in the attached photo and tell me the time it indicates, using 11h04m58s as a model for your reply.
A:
12h12m56s
